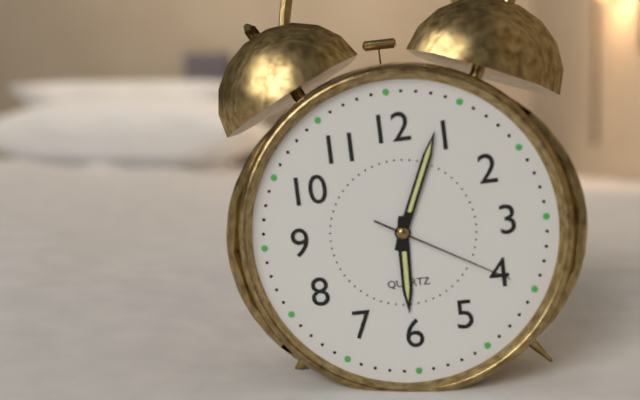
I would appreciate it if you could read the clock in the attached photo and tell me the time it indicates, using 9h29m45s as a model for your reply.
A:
6h04m20s
